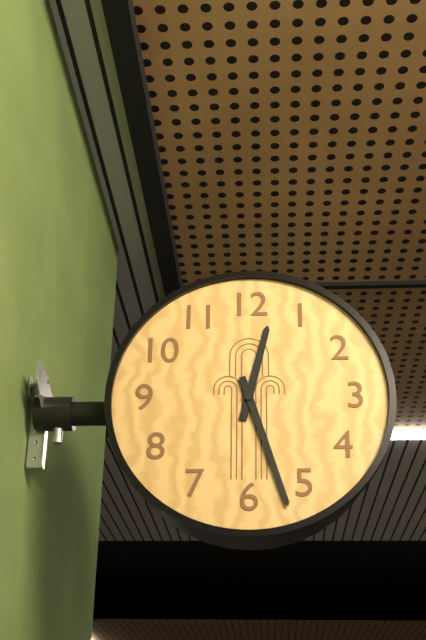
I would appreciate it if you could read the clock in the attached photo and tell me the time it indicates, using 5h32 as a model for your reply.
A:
12h27
